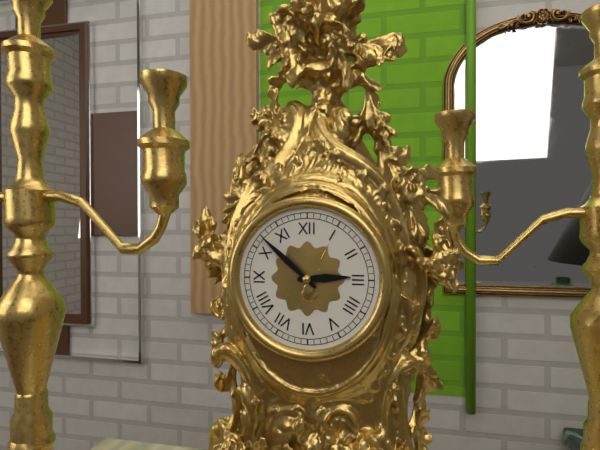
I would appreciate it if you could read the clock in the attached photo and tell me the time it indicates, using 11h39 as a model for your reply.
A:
2h52
